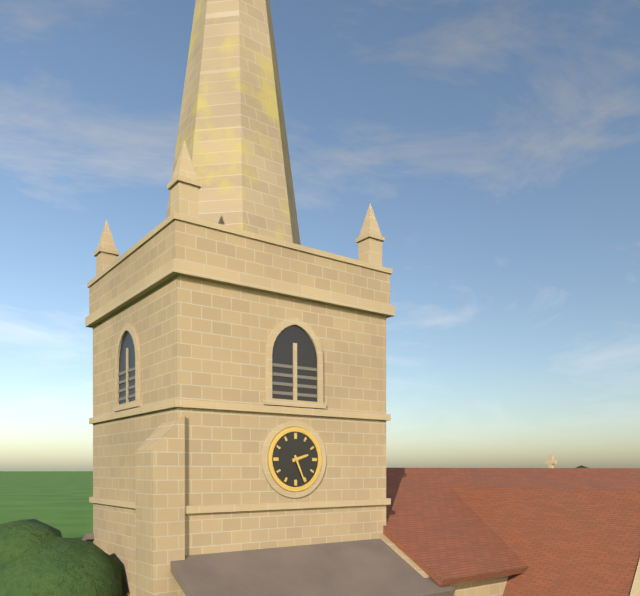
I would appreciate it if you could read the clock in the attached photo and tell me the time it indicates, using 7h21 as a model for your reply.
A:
2h26
